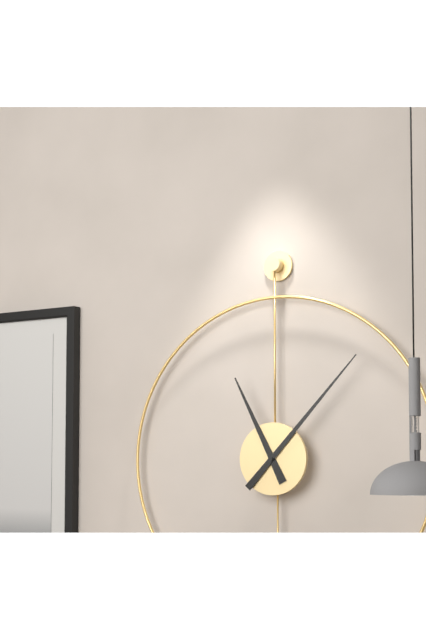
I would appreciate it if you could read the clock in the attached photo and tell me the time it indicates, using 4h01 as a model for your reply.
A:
11h07
